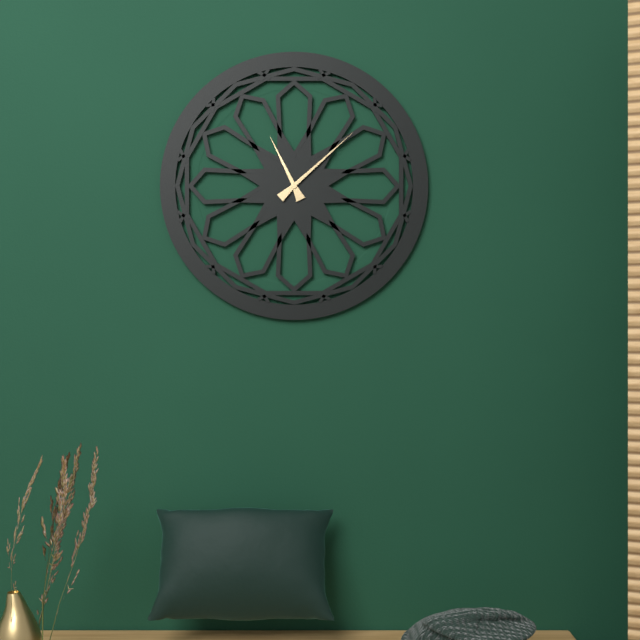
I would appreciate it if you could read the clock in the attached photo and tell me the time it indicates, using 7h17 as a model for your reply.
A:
11h08
